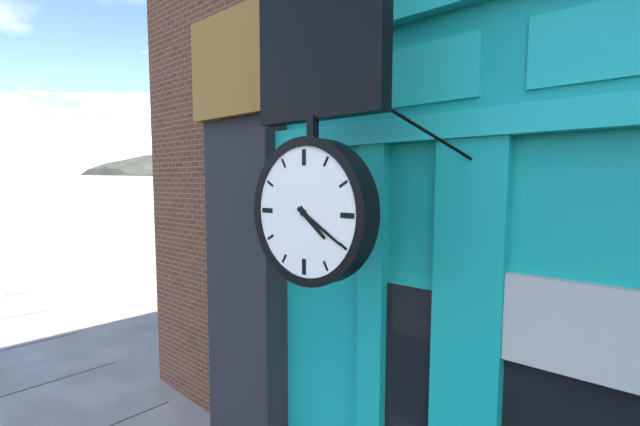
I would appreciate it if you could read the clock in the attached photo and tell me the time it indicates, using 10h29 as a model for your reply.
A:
4h20
